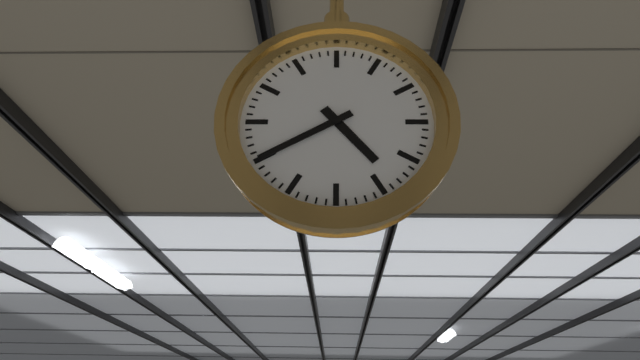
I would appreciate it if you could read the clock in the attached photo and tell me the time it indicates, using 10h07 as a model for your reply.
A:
4h40
